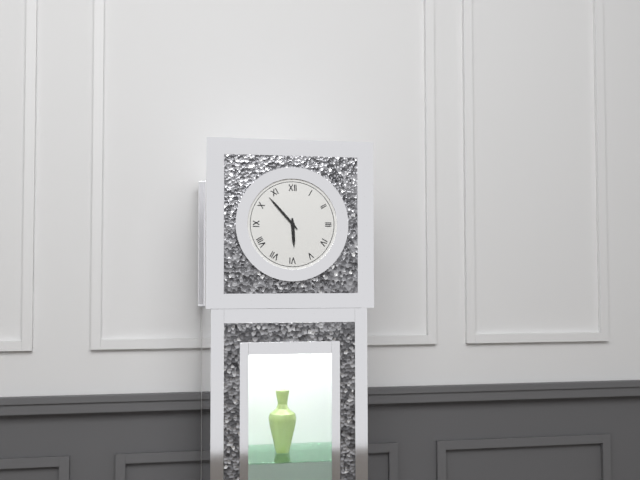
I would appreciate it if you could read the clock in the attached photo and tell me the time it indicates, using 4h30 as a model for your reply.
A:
5h53
